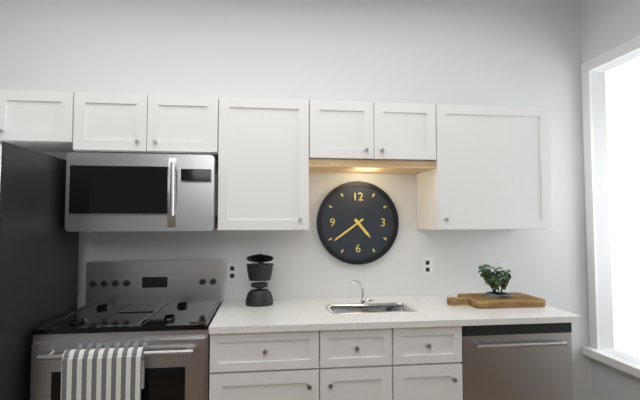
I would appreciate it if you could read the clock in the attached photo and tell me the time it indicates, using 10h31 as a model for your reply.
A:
4h39
